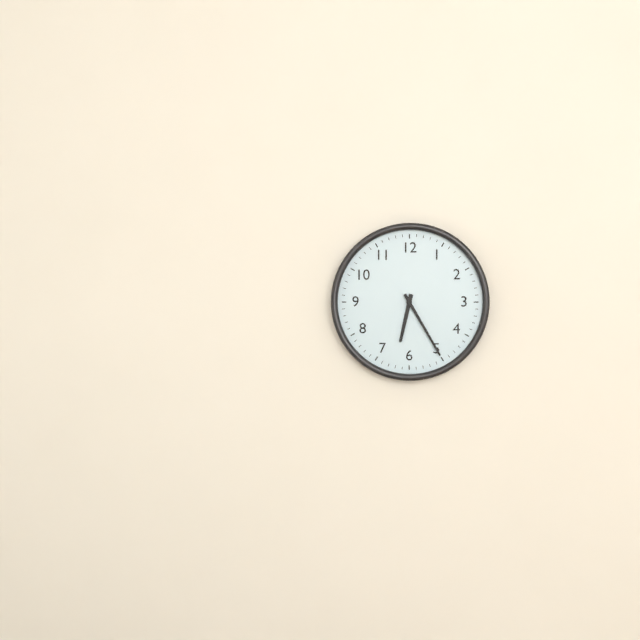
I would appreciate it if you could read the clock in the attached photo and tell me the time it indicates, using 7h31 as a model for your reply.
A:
6h25
